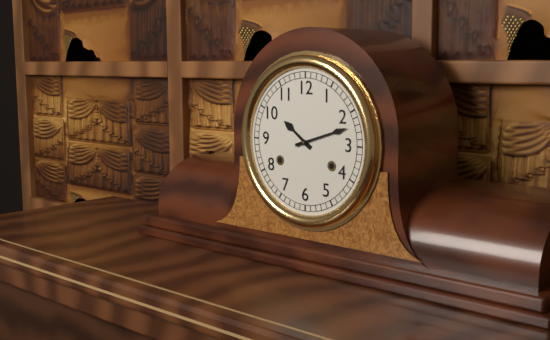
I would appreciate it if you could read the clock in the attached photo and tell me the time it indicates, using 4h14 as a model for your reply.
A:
10h12
